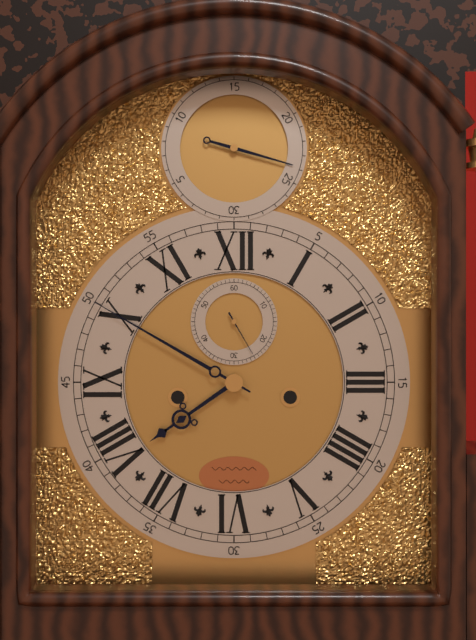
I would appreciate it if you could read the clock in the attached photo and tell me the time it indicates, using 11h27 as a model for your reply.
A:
7h50
